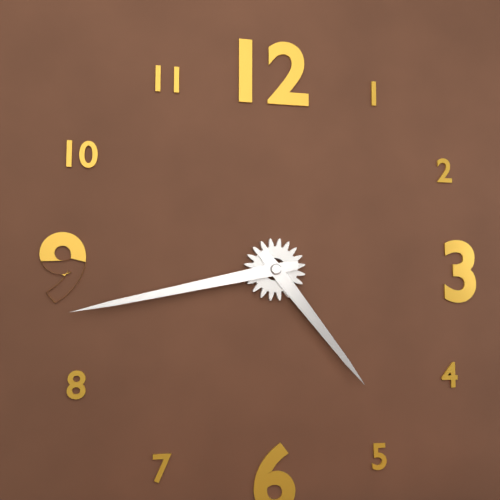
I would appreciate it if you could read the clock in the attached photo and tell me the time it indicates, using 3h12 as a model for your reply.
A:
4h43
